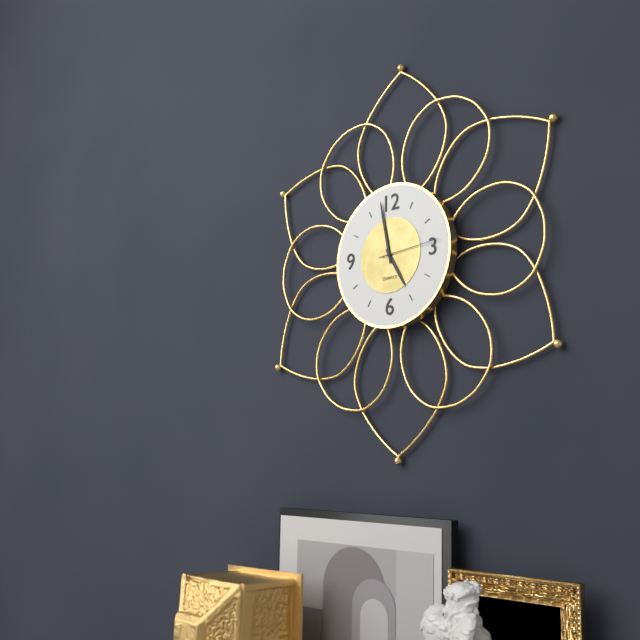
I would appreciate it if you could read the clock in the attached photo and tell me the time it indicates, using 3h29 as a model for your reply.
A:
4h58
